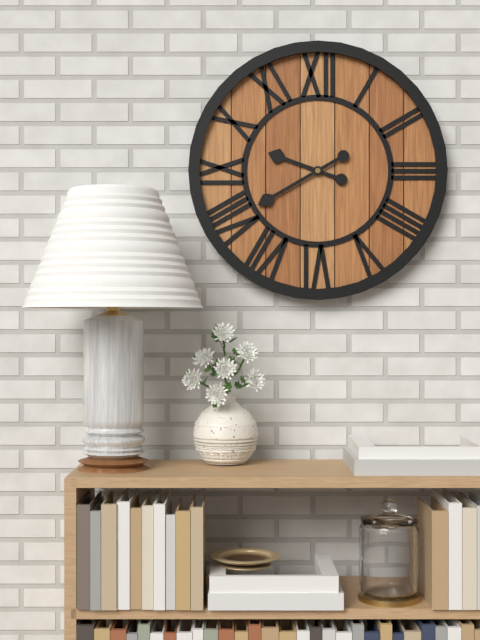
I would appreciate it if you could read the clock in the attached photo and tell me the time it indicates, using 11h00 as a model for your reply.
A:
9h40
